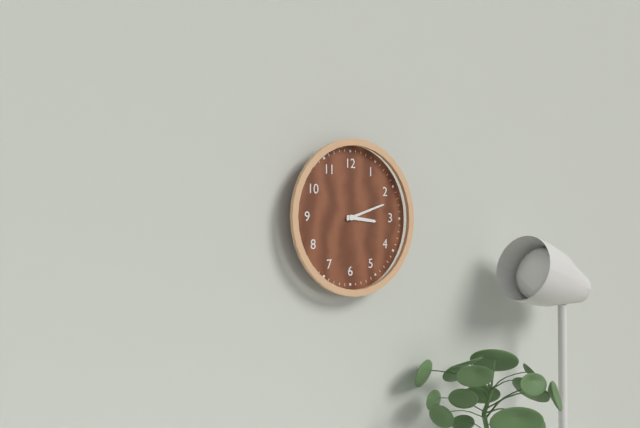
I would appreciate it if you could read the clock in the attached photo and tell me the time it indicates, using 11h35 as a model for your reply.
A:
3h12
